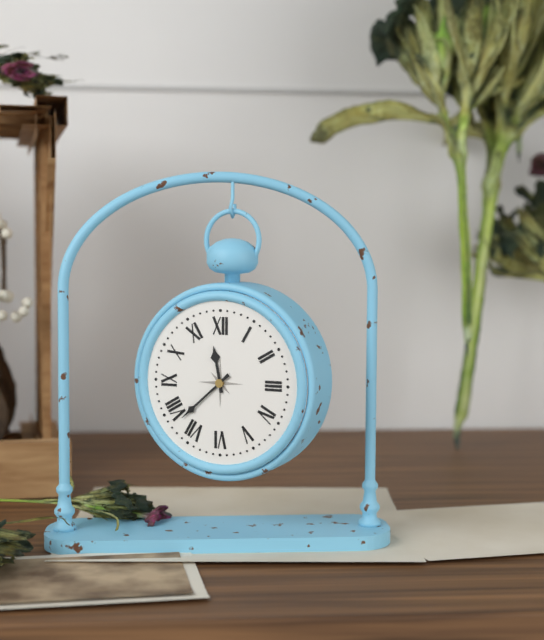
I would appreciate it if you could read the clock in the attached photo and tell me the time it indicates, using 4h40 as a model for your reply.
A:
11h38
